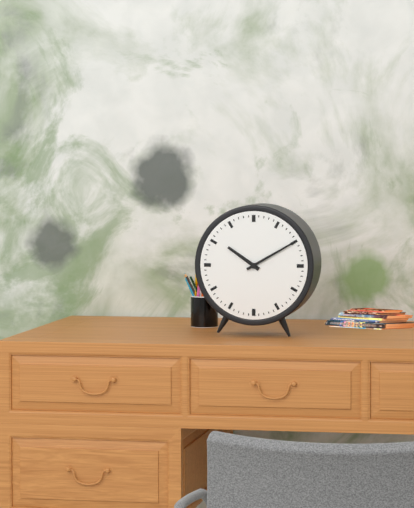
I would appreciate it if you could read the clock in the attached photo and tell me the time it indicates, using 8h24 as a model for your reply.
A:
10h10
